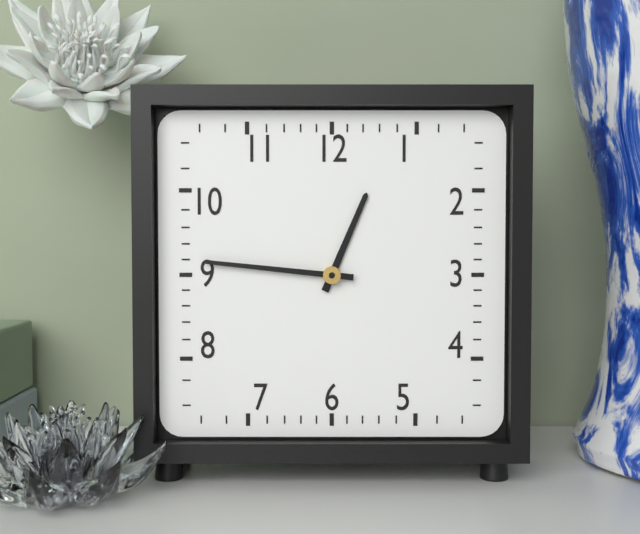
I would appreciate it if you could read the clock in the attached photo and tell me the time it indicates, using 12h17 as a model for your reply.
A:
12h46
